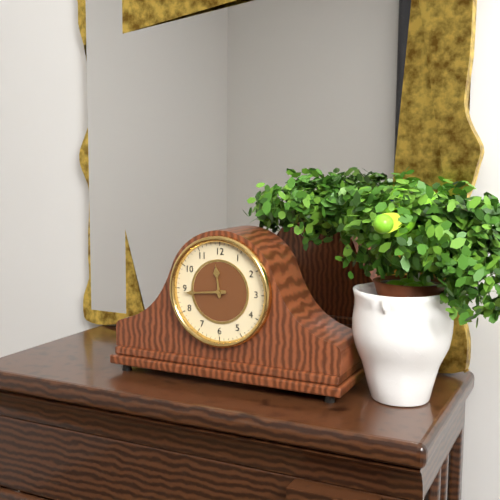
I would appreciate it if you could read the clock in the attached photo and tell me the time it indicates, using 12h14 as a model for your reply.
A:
11h44
